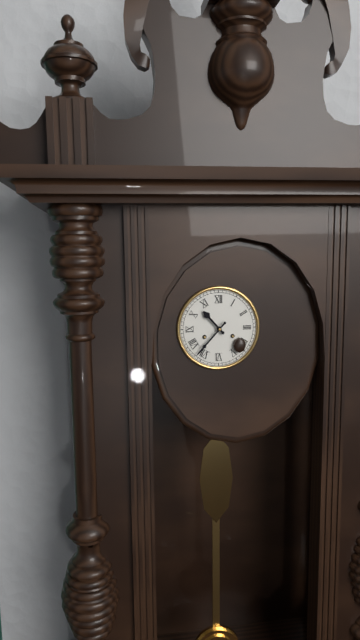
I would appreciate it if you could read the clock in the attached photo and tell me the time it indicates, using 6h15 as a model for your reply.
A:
10h37
